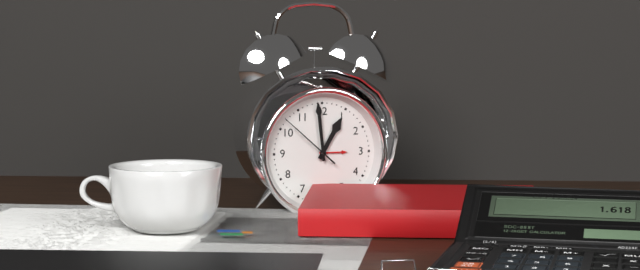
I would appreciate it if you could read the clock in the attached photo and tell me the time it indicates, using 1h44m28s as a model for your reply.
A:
12h59m52s
